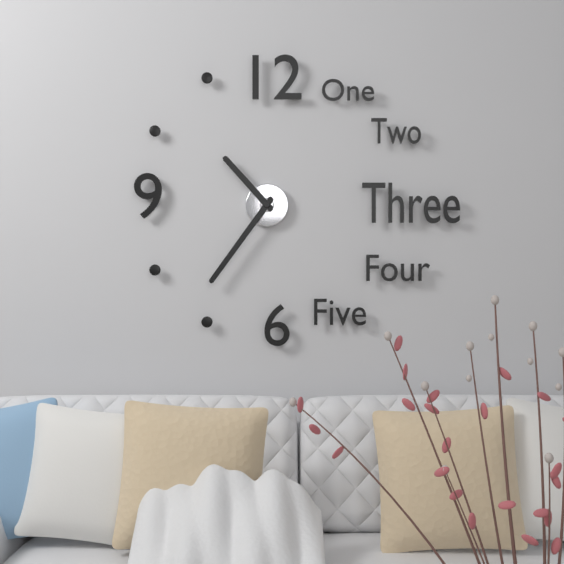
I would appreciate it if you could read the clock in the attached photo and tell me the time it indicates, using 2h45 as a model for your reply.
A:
10h36
